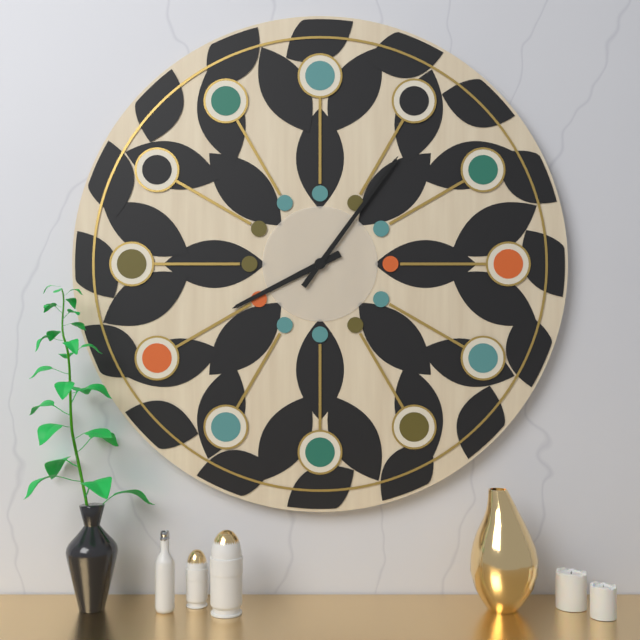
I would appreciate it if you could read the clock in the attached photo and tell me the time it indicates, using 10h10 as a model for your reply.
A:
8h06
